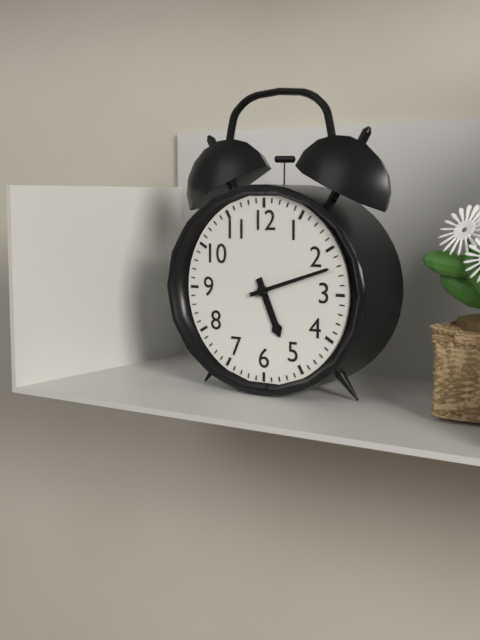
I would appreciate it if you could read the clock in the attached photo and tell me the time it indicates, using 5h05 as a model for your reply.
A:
5h12
